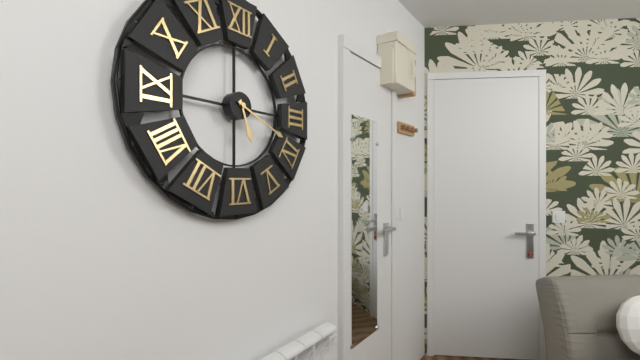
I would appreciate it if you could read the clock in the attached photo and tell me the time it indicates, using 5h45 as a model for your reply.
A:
5h19
